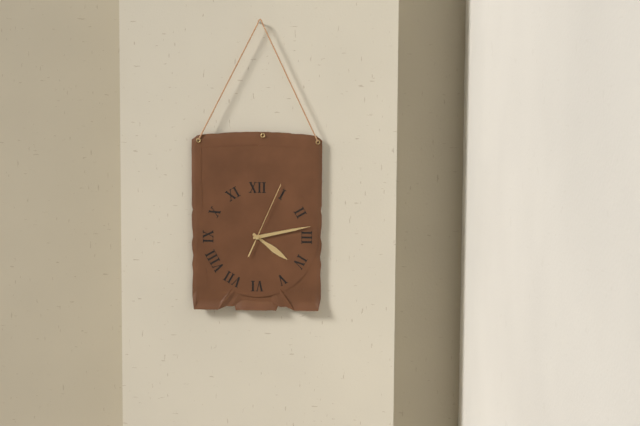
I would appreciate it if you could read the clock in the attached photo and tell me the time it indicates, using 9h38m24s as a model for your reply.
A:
4h13m04s
